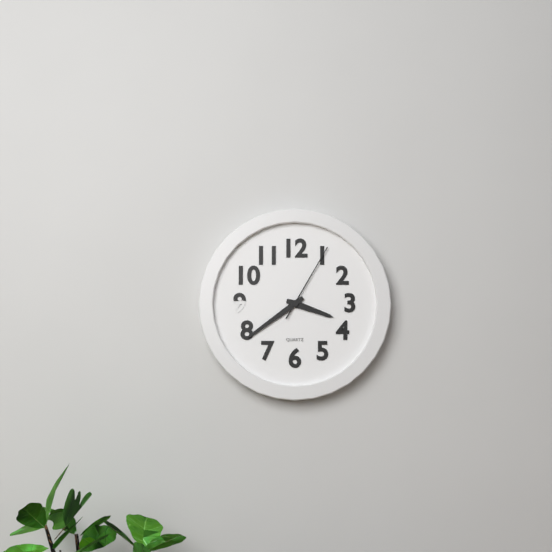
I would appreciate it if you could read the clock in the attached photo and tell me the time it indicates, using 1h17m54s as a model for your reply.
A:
3h39m05s
